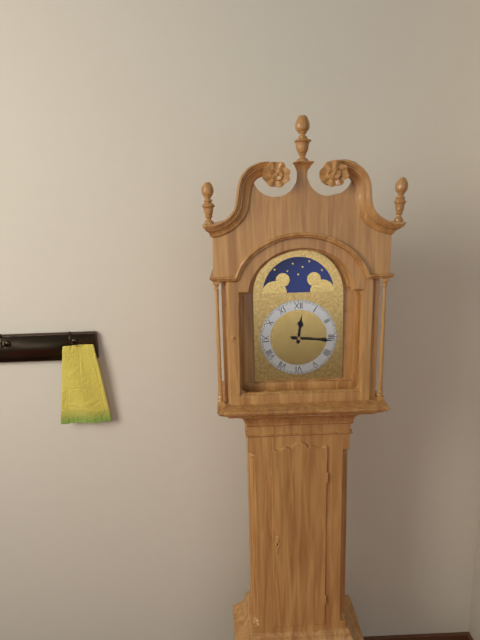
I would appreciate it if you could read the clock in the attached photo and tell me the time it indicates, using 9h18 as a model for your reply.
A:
12h16
